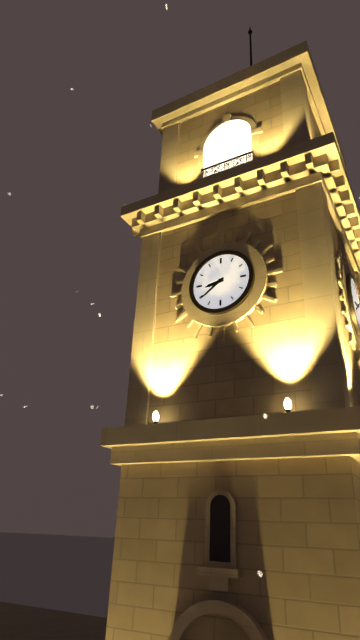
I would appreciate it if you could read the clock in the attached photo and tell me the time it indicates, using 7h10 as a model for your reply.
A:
8h39
